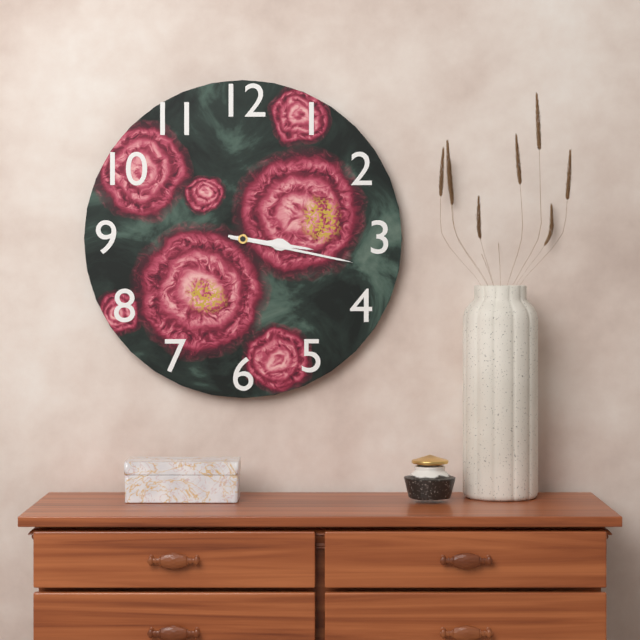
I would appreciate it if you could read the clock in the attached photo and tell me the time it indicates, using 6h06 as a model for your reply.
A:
3h17
